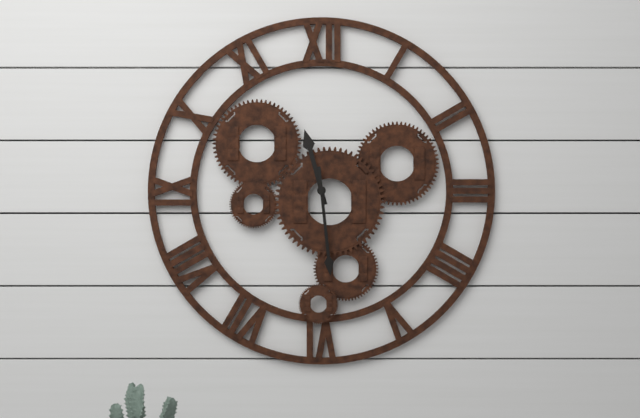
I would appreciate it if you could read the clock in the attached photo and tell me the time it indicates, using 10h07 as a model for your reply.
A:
11h29
